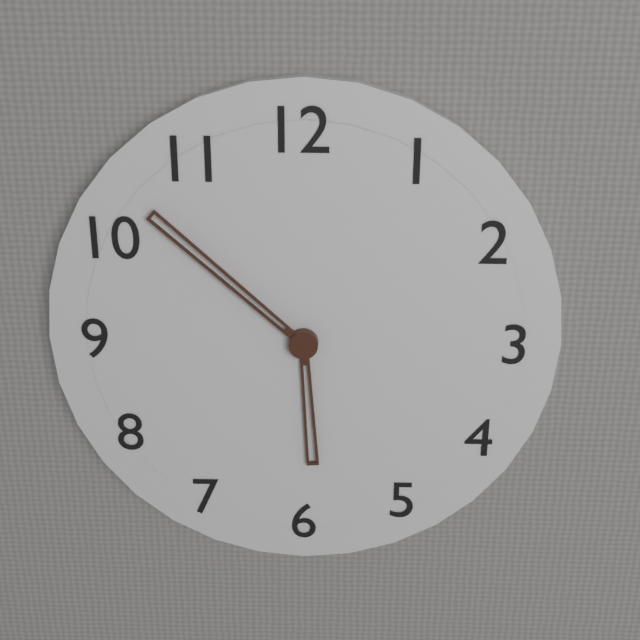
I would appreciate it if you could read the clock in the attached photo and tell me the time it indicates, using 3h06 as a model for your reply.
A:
5h52
